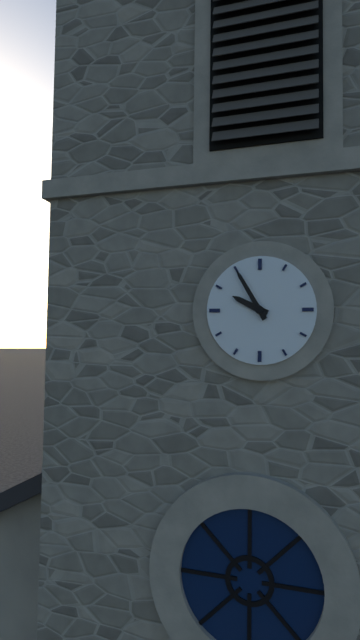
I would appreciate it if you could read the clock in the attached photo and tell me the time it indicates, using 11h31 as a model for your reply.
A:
9h55
